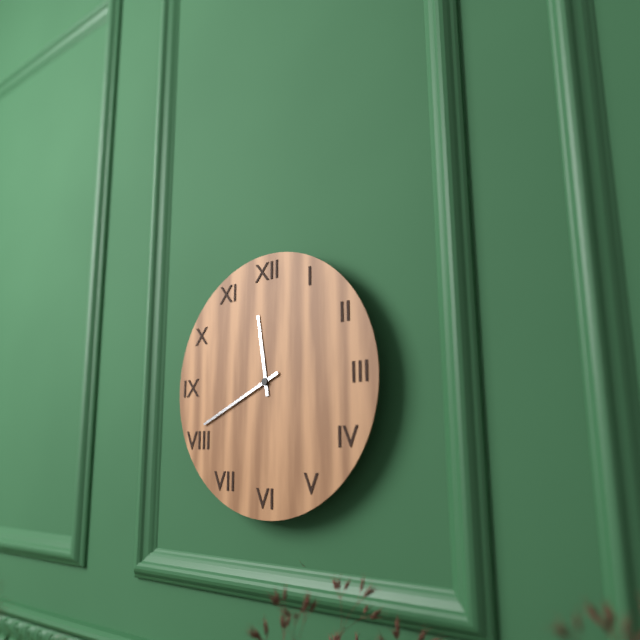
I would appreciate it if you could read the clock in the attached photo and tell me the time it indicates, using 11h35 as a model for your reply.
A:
11h41
